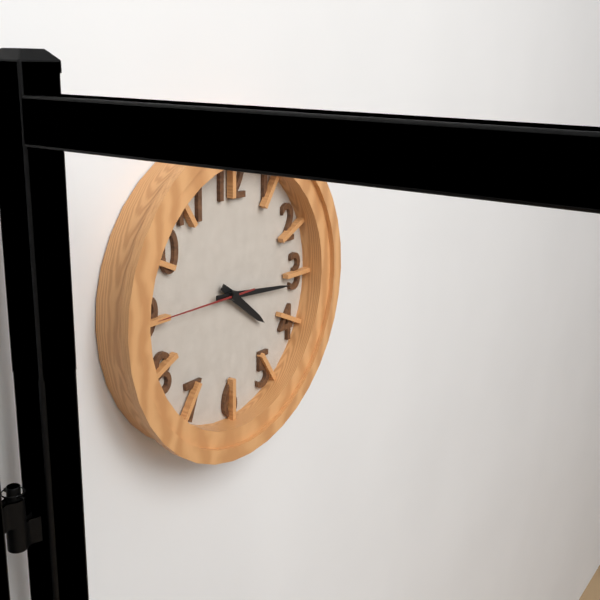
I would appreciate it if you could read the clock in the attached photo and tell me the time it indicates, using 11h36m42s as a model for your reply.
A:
4h16m45s
